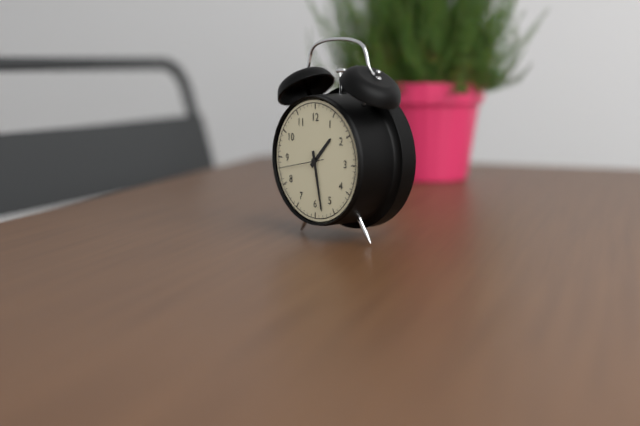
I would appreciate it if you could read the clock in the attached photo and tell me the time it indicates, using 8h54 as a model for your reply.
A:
1h28
